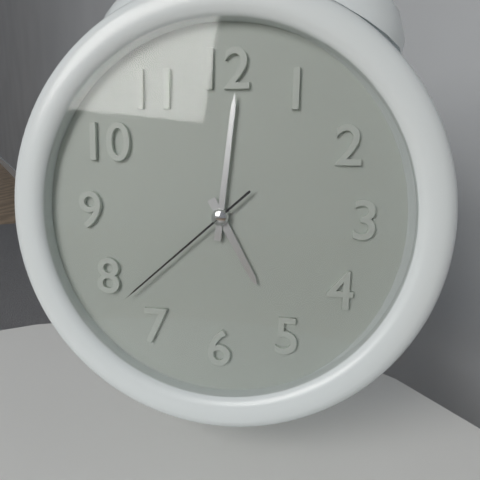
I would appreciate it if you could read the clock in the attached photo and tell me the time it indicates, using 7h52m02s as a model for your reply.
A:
5h01m38s
